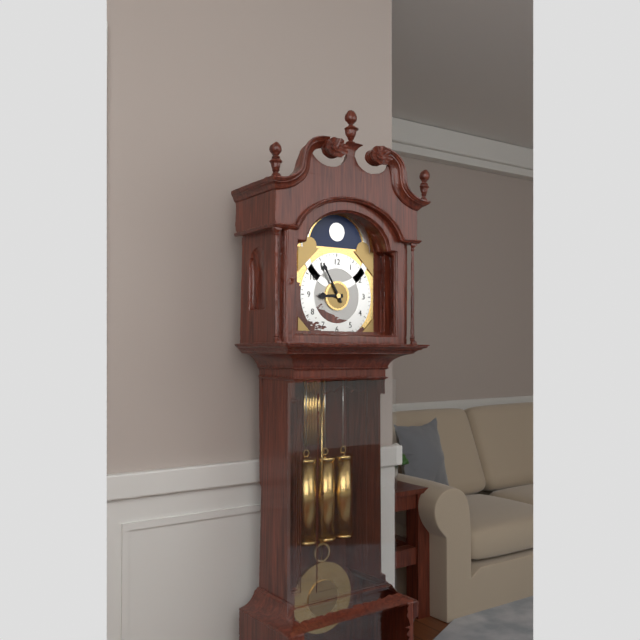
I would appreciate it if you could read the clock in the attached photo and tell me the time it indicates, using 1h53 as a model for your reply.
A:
8h55
